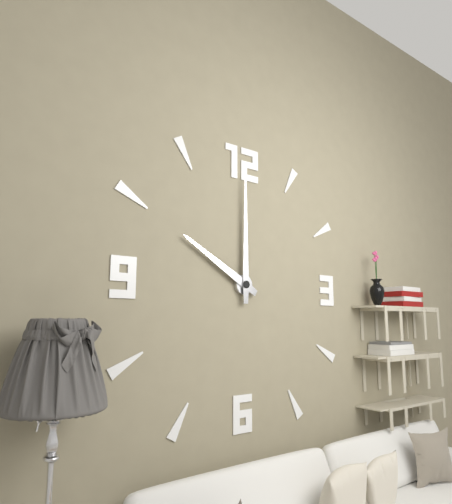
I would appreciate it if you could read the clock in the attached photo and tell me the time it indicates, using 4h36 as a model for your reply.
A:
10h00
